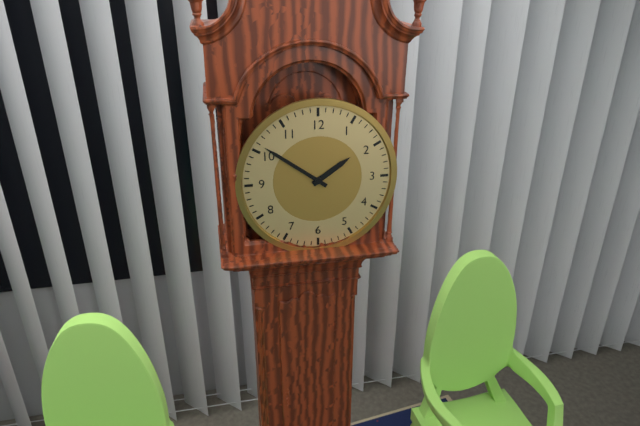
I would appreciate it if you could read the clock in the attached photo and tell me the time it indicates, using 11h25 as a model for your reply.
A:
1h51
